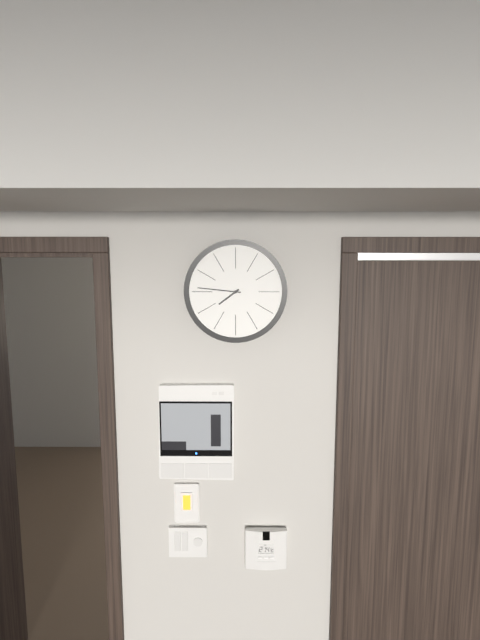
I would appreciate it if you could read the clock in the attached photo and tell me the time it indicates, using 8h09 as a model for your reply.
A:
7h46
